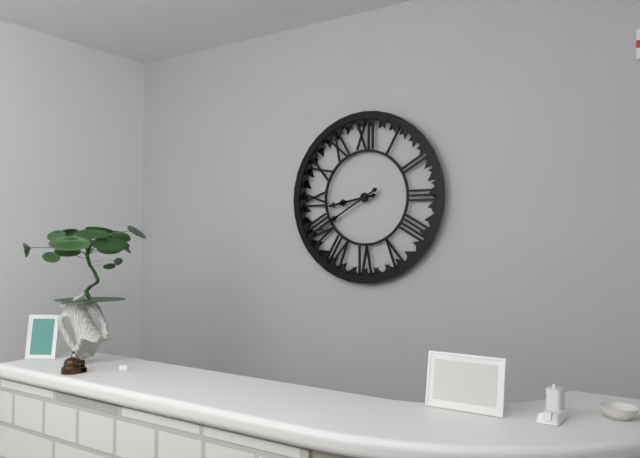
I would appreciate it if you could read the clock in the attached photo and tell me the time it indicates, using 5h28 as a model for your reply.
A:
8h40
